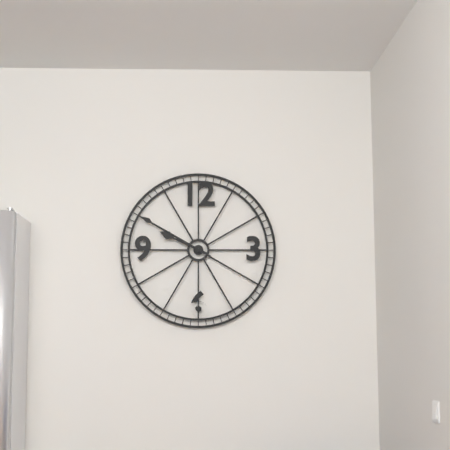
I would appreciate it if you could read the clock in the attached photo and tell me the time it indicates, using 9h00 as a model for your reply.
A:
9h50
